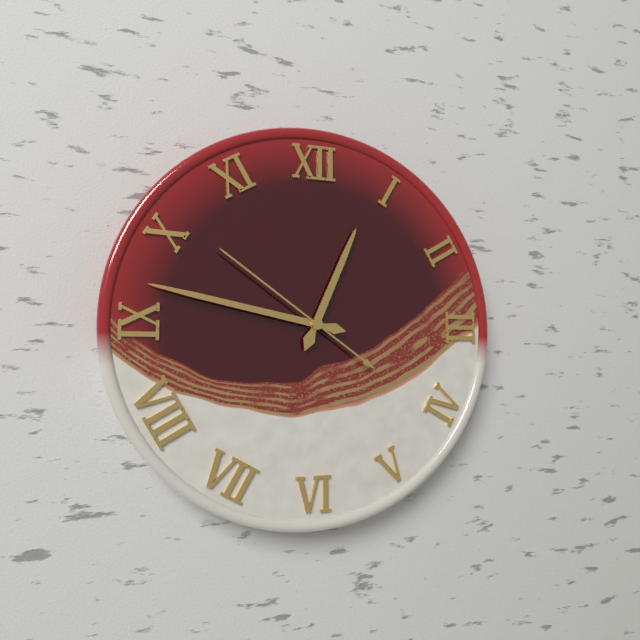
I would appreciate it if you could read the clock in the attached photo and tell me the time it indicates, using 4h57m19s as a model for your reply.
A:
12h47m51s
